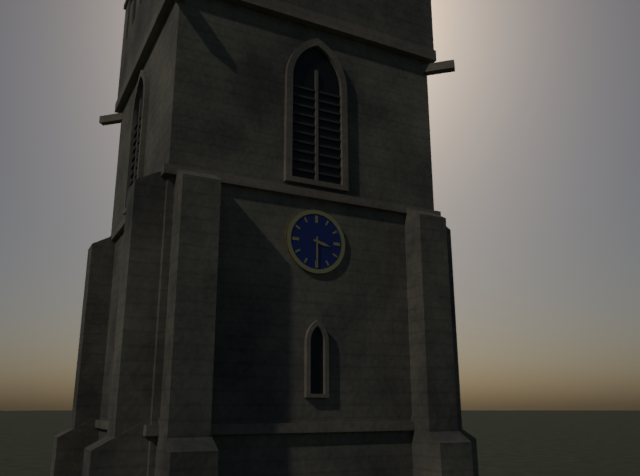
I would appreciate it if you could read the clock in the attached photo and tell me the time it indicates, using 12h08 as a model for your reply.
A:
3h30
